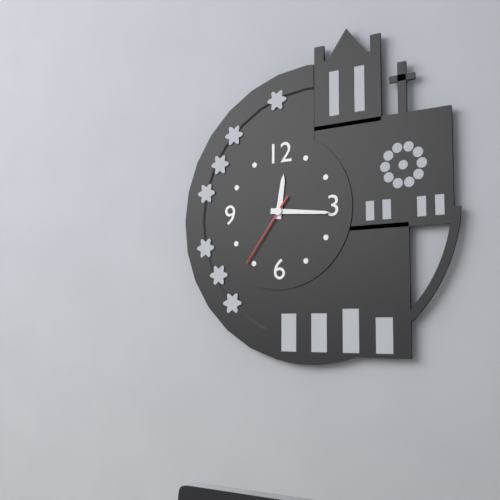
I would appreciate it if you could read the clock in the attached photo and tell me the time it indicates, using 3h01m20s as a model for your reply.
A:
12h16m36s
